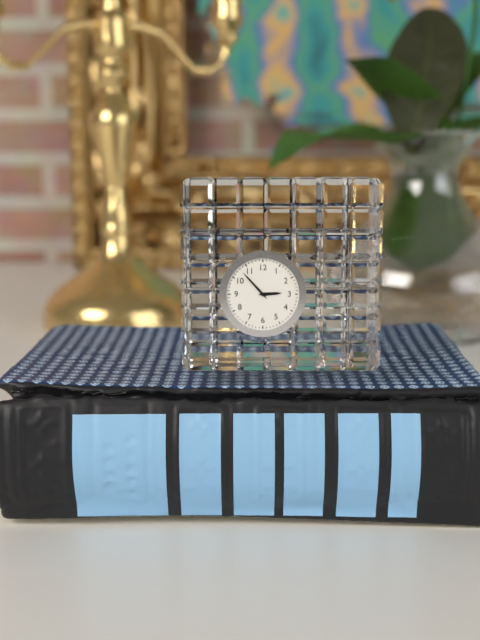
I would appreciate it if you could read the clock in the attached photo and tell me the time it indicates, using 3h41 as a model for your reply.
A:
2h53
